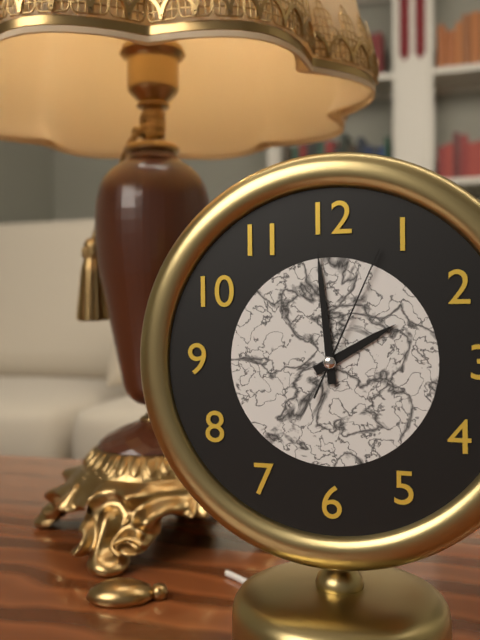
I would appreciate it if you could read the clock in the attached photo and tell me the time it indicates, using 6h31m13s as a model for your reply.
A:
1h59m04s
